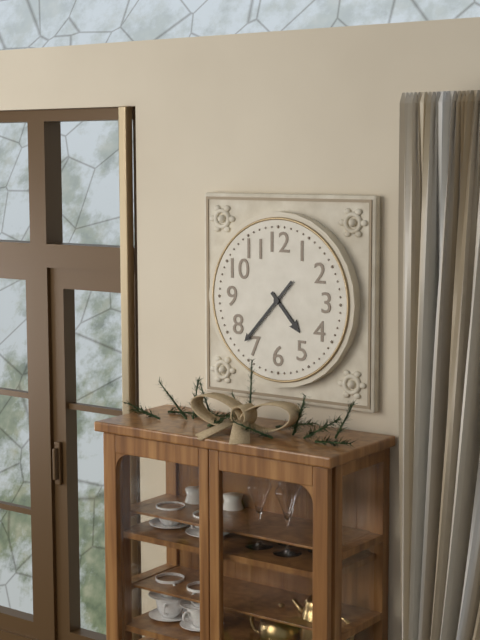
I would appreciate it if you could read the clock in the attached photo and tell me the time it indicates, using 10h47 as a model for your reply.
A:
4h37
